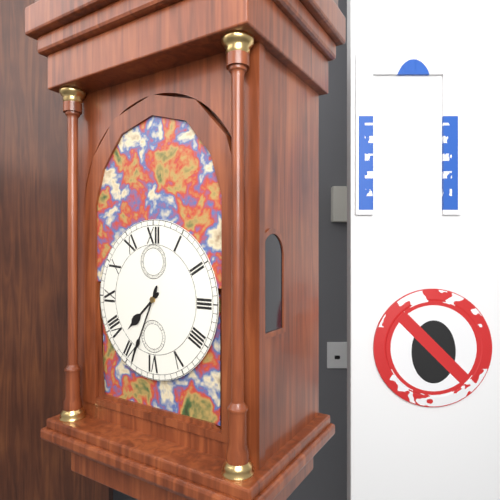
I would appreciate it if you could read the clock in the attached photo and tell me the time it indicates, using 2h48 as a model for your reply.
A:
7h34
